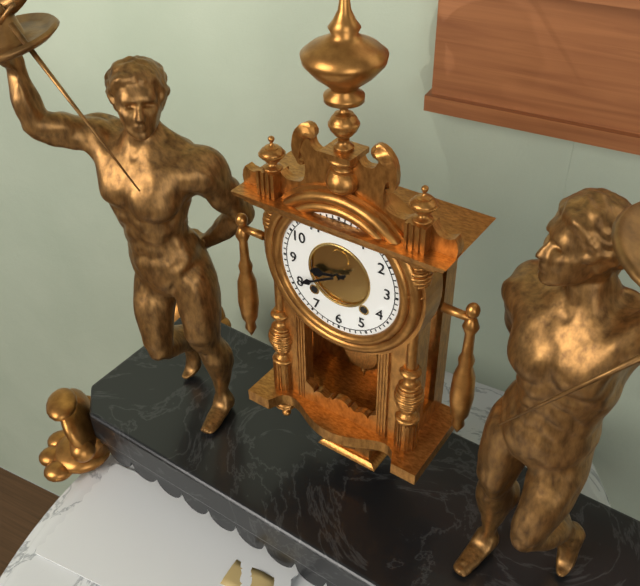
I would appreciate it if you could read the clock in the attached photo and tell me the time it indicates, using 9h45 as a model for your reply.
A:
8h40
